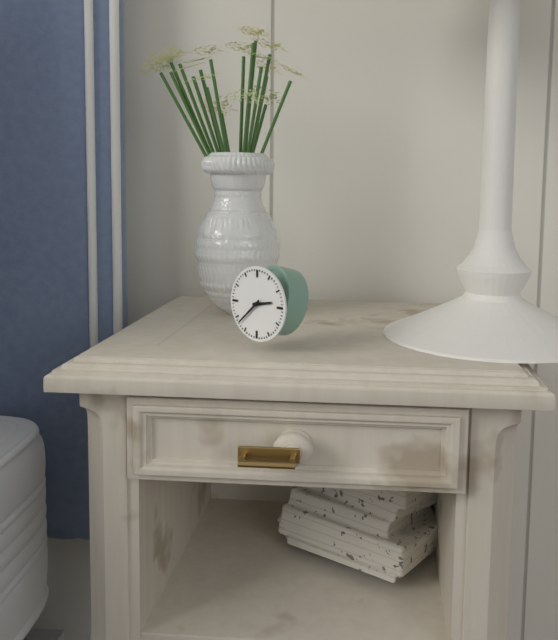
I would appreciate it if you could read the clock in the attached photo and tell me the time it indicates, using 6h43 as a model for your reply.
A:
2h38
